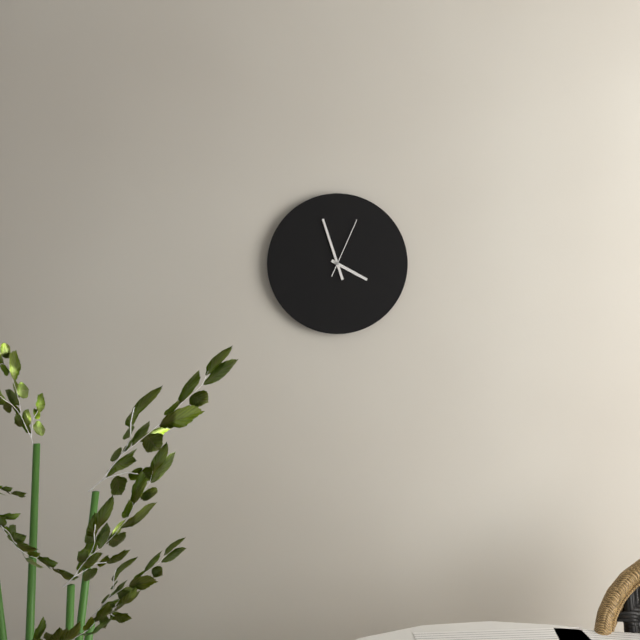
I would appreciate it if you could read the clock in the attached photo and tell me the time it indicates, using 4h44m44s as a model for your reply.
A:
3h57m04s
